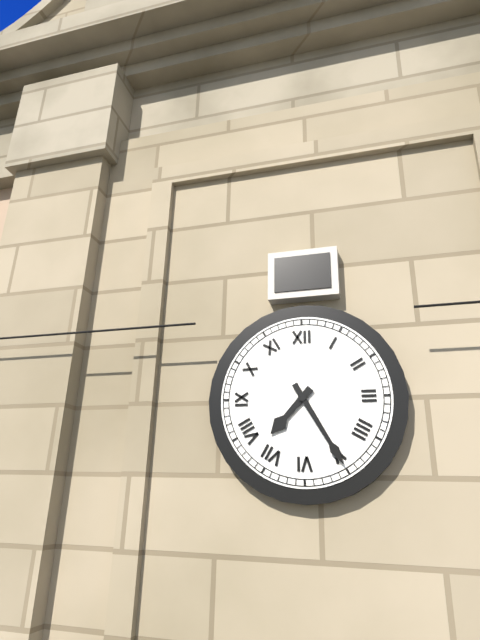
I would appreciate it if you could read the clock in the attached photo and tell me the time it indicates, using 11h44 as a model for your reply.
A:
7h25
